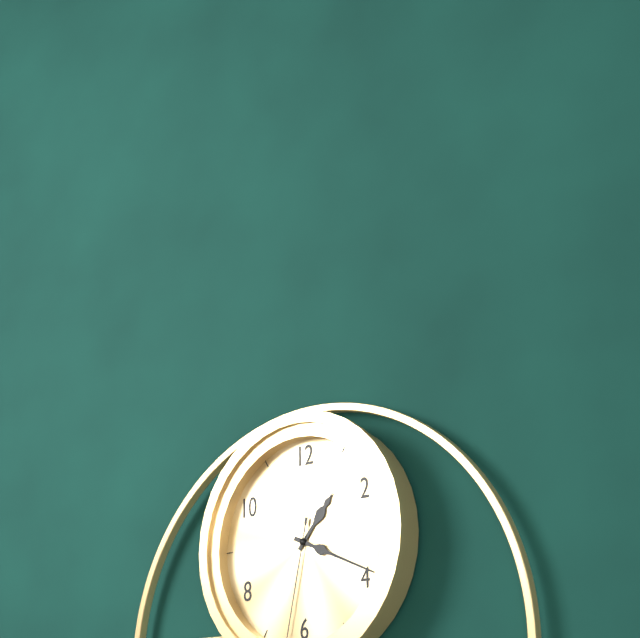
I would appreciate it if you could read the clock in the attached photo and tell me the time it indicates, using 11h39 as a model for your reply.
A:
1h19
